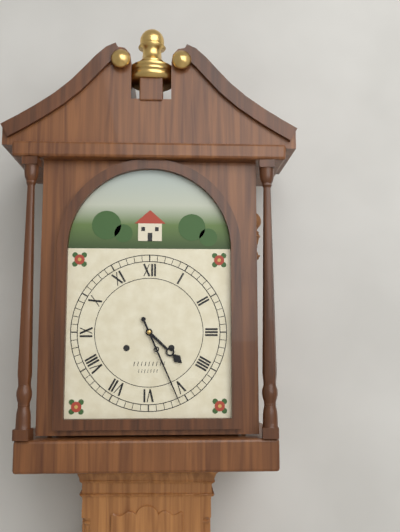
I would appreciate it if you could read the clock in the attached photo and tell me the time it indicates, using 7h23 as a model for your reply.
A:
4h26
